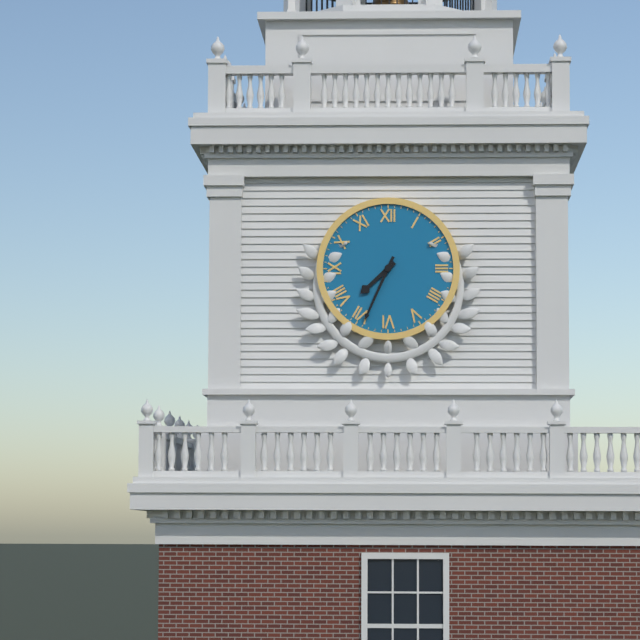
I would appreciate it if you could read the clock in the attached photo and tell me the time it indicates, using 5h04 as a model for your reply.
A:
7h34
